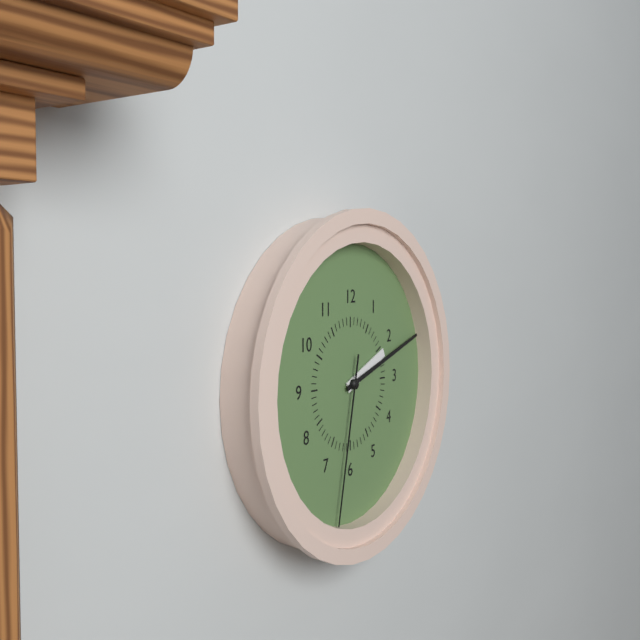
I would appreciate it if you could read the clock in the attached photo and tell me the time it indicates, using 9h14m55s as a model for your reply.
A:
2h12m32s
